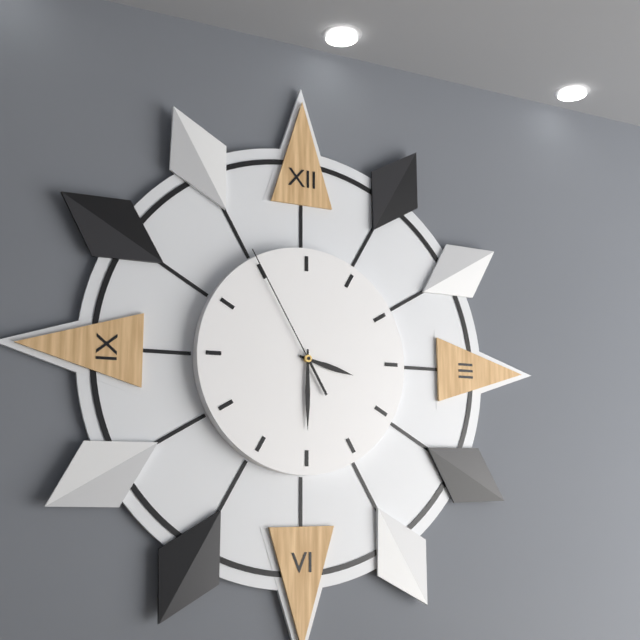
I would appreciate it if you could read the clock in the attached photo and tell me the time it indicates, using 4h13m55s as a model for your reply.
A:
3h30m55s
